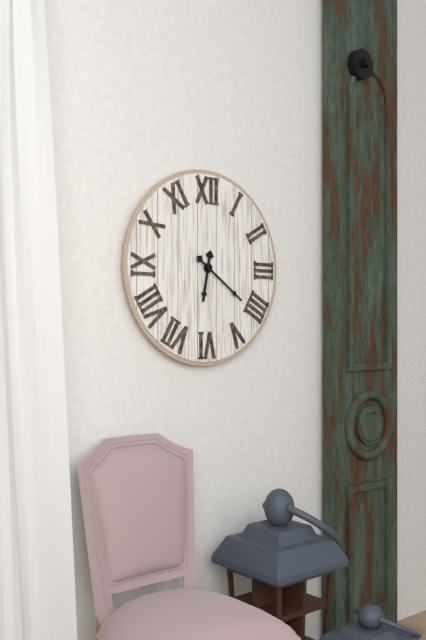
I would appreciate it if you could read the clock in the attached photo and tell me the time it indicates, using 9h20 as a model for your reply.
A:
6h21
